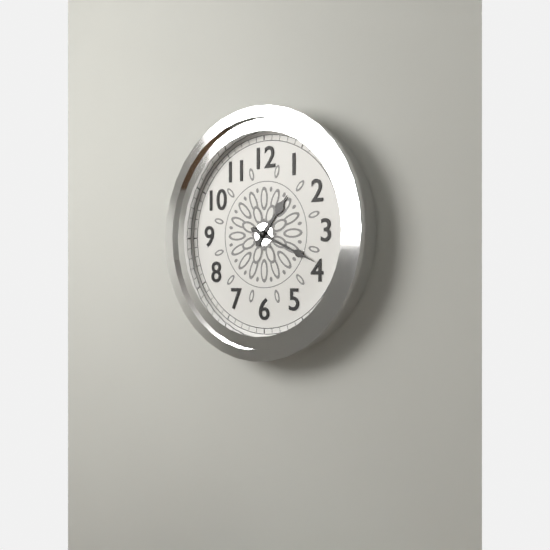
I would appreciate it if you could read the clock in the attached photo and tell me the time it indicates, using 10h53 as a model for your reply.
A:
1h19
